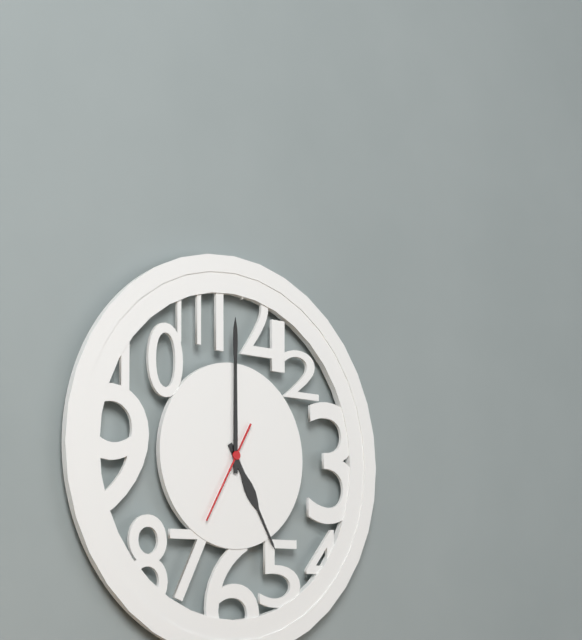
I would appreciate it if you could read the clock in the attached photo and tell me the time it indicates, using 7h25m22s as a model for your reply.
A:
5h00m35s
